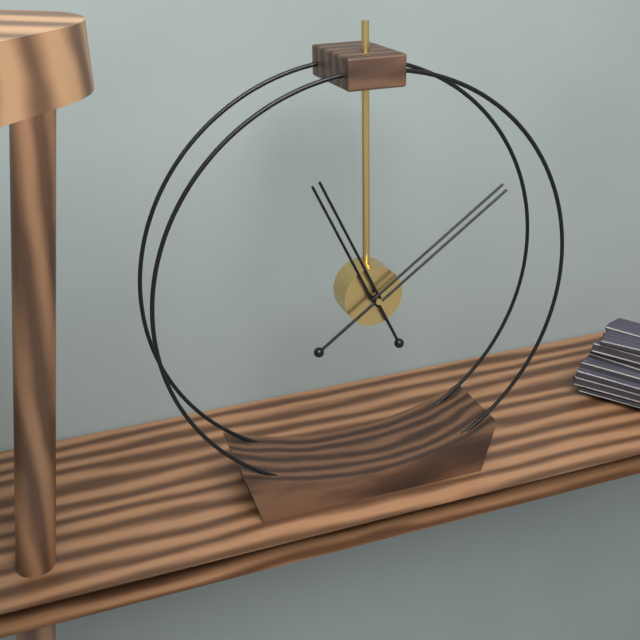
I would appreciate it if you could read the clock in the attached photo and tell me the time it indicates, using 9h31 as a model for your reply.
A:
11h09
